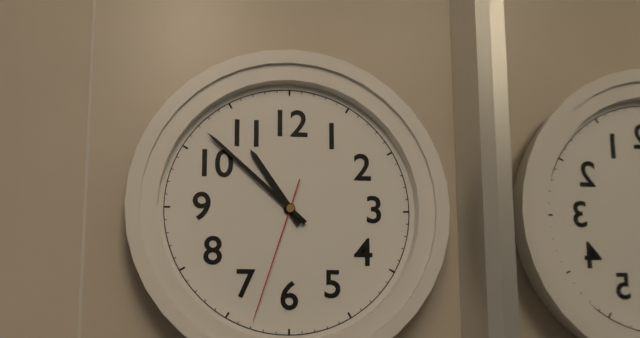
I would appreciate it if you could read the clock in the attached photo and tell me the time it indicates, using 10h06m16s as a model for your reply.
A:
10h52m33s
